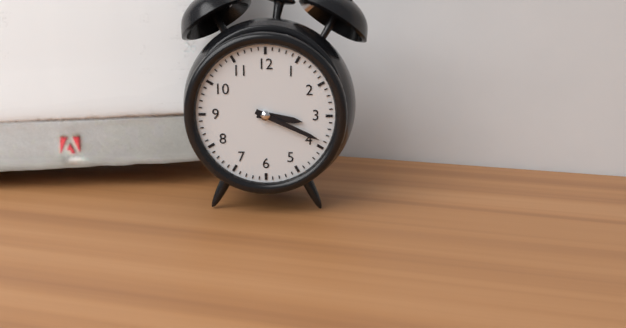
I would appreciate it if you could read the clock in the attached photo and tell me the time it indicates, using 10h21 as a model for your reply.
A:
3h19
